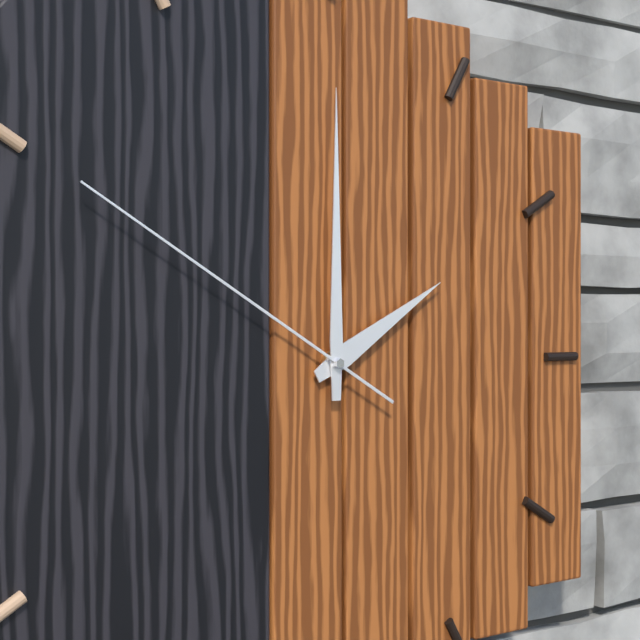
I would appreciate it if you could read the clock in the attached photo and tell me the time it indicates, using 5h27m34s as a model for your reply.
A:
2h00m50s
